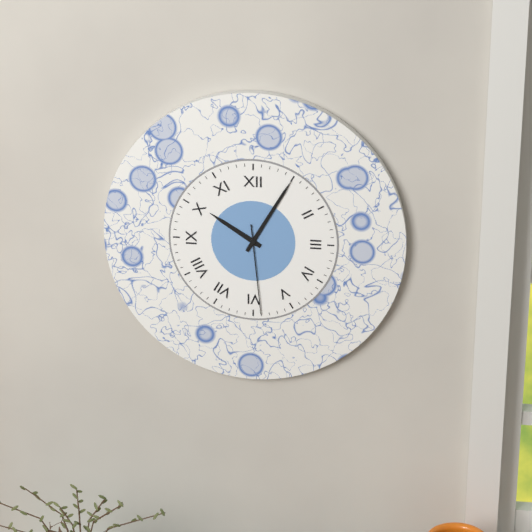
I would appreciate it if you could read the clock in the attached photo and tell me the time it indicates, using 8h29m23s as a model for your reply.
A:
10h05m29s
